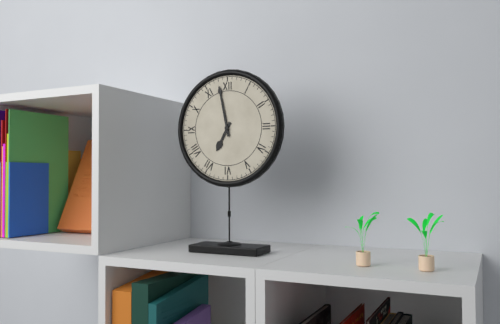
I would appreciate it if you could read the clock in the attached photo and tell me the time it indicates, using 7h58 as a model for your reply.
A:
6h58
